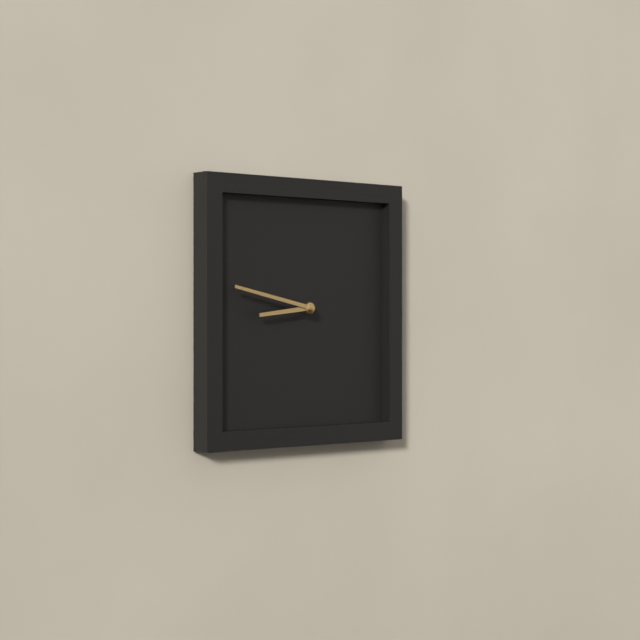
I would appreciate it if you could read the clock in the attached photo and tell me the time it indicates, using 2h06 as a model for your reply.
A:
8h47
